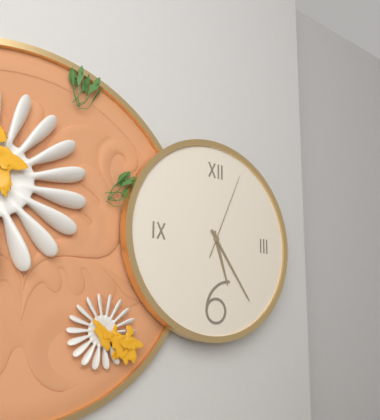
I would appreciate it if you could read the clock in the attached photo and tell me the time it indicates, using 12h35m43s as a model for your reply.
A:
5h24m04s
